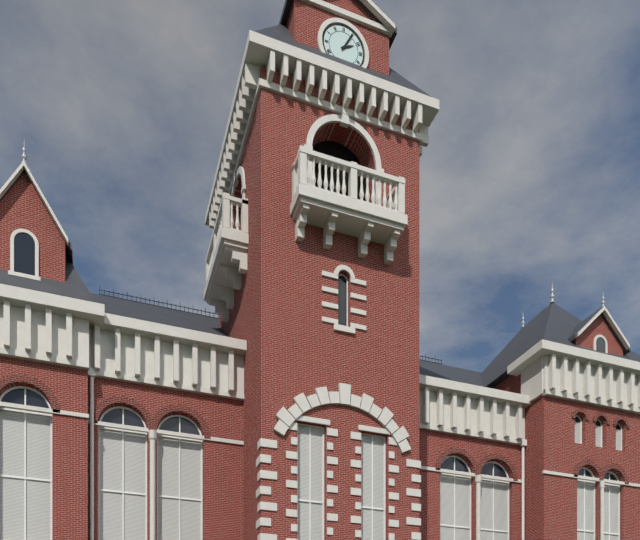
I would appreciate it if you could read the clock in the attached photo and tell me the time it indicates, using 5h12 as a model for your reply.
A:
2h05
